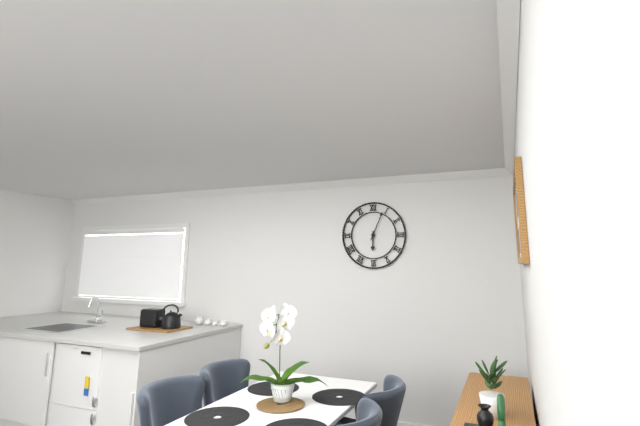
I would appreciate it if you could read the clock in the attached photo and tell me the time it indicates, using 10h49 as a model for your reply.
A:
6h04
